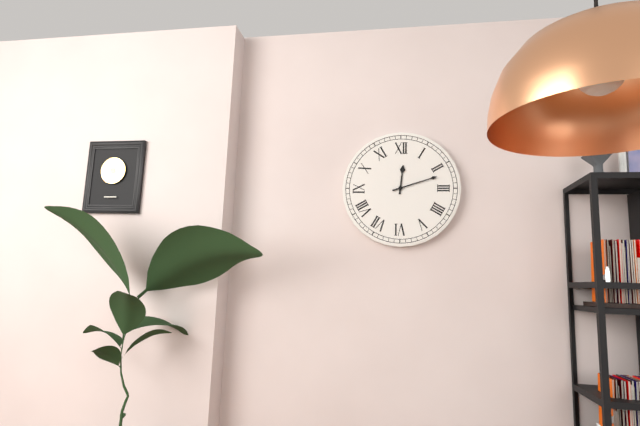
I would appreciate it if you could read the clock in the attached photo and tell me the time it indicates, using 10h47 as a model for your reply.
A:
12h12
